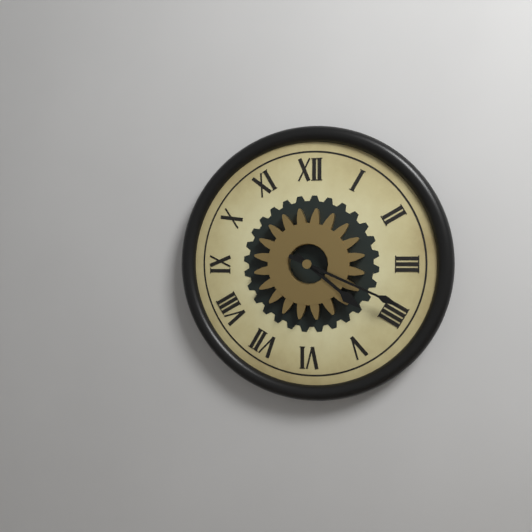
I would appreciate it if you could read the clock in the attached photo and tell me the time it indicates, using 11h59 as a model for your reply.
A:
4h19
